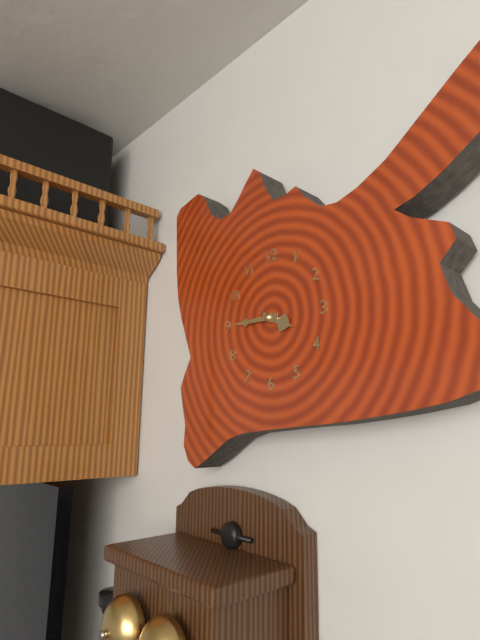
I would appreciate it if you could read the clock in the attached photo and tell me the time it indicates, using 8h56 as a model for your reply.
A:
3h45
